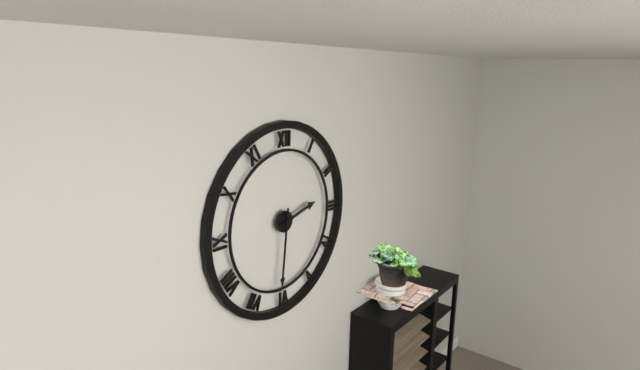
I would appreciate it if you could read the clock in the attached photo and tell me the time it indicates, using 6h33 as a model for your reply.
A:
2h31
